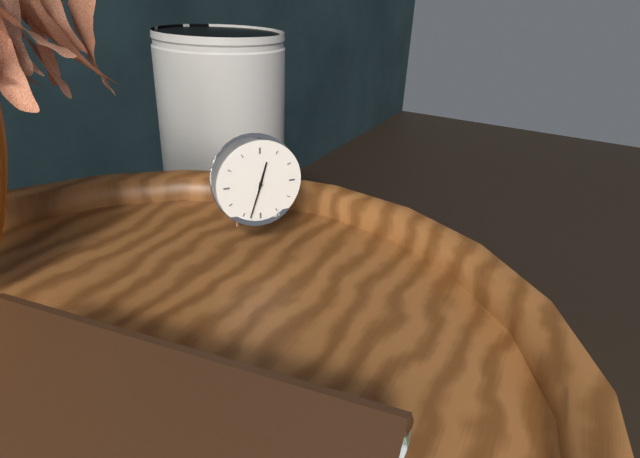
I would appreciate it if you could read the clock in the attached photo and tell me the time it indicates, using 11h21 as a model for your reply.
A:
12h33
